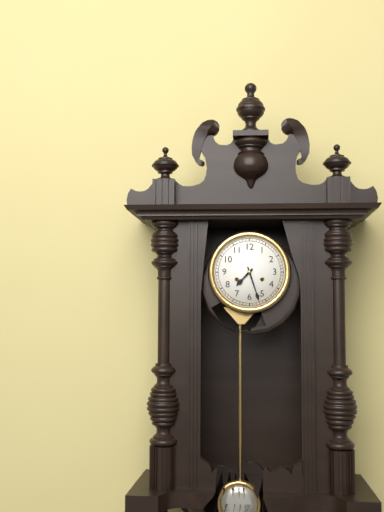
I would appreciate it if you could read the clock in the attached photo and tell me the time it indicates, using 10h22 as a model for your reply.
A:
7h27
